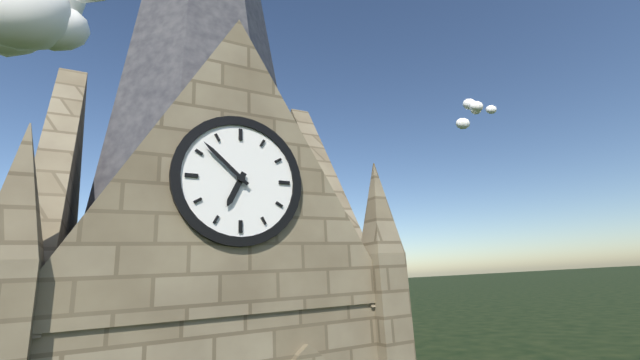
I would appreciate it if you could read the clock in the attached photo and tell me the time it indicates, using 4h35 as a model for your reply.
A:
6h52
